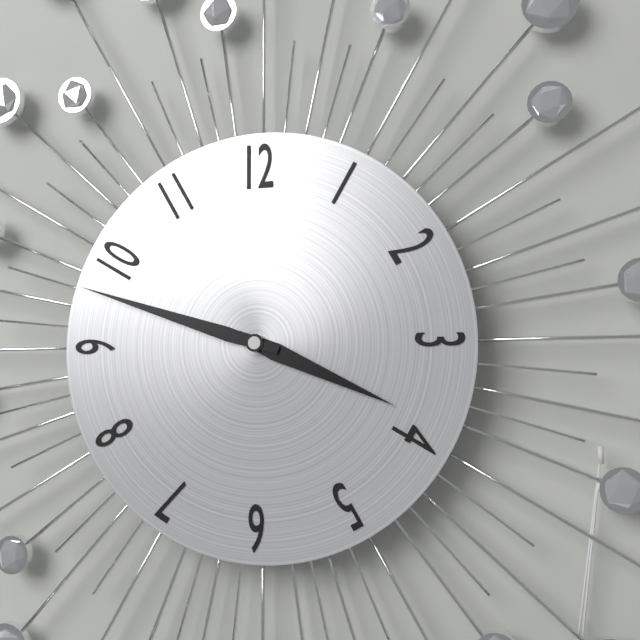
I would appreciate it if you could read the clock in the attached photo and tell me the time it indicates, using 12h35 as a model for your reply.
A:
3h48
